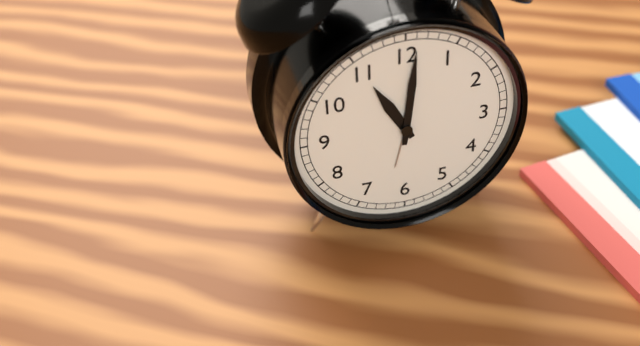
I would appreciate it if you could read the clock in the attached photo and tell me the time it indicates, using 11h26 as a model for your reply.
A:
11h01
